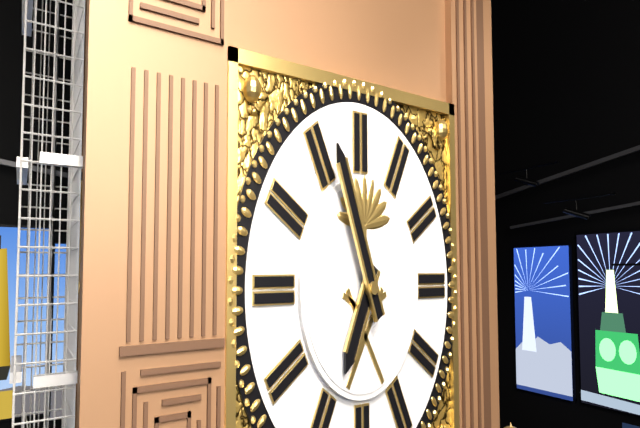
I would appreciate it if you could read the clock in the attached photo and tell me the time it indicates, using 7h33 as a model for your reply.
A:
6h56
